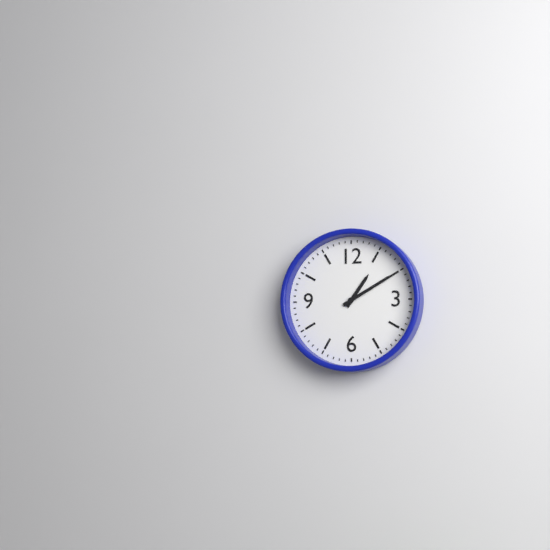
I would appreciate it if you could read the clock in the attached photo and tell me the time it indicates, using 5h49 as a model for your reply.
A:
1h10
